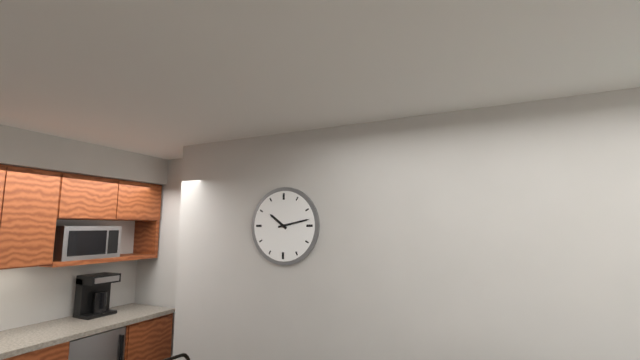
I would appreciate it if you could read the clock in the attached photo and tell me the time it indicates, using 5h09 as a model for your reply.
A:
10h13
